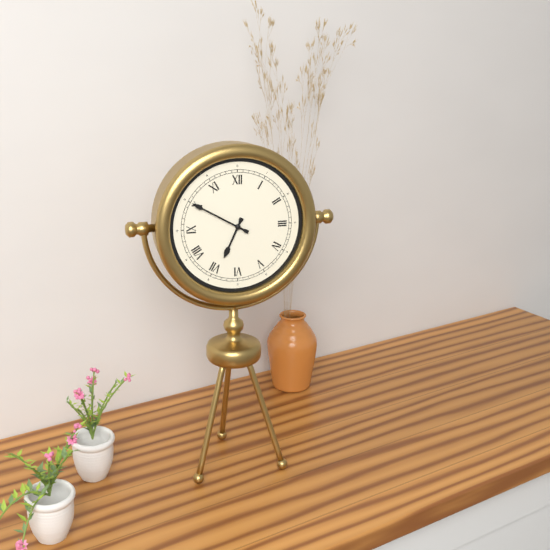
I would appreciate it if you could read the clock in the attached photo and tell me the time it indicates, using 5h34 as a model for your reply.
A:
6h50
